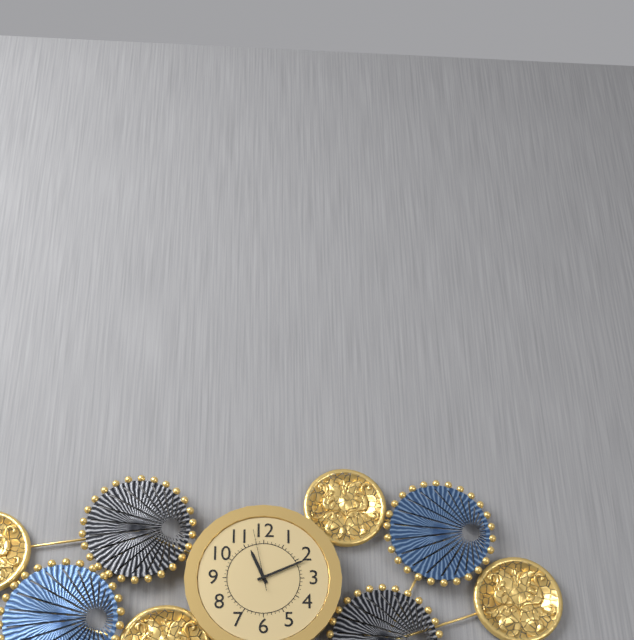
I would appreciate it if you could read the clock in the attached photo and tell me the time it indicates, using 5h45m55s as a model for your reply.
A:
11h11m58s
